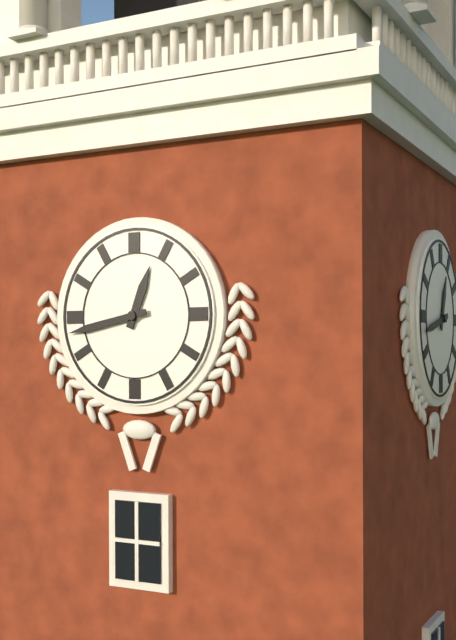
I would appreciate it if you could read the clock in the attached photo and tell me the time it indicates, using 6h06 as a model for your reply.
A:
12h43
